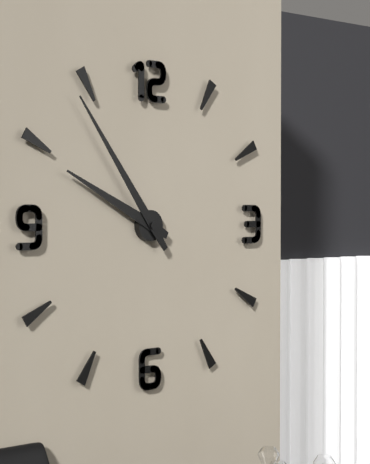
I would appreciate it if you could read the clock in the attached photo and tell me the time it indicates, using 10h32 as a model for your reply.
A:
9h54
